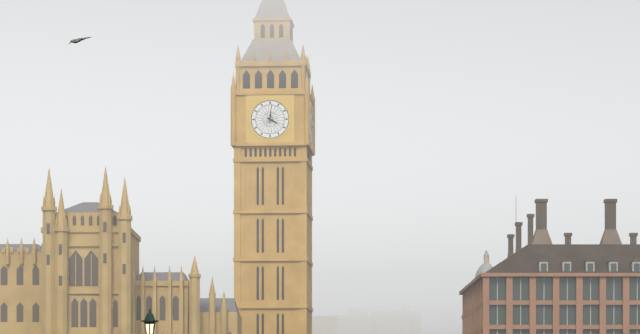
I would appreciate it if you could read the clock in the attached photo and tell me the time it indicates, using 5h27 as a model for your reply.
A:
4h01
